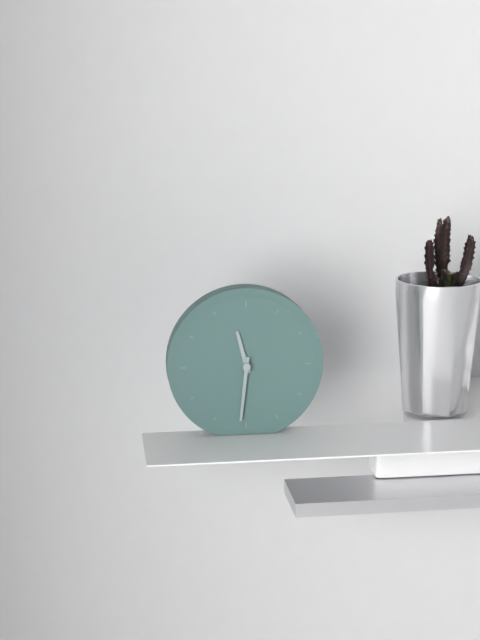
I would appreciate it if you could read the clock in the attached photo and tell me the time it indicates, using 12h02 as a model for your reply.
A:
11h31
